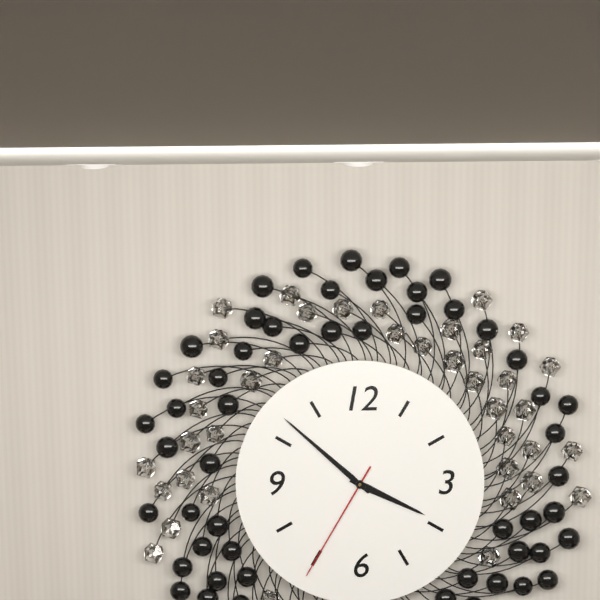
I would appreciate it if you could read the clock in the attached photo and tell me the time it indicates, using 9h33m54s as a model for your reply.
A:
3h52m35s
